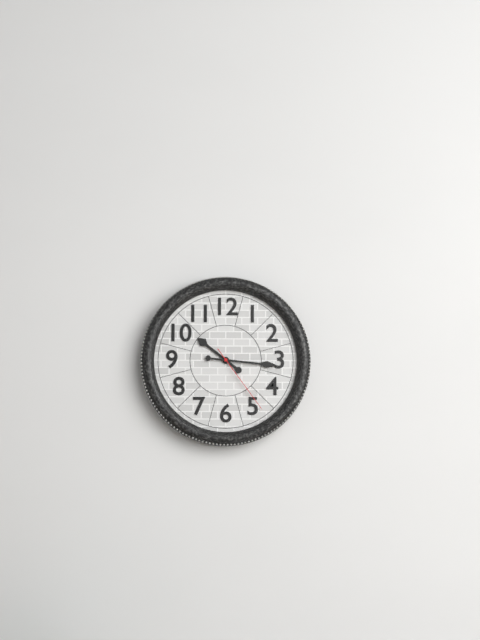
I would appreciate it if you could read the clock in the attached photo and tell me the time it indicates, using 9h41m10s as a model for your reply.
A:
10h16m24s
